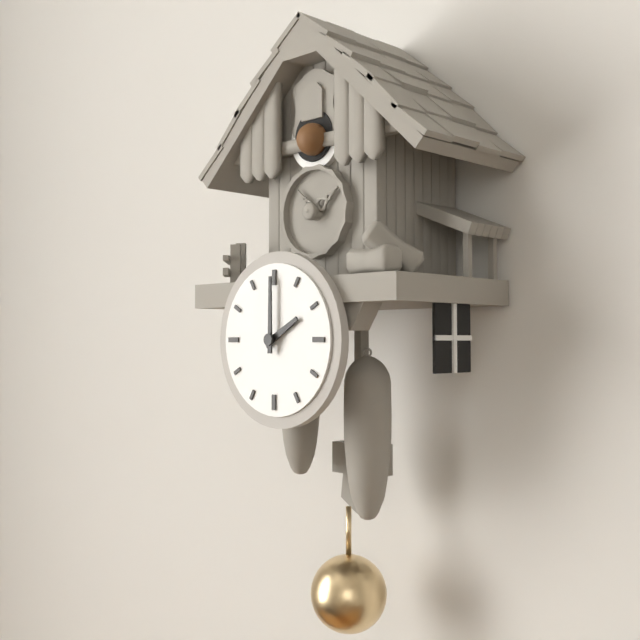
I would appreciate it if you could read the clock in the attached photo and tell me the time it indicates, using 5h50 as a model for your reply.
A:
2h00
